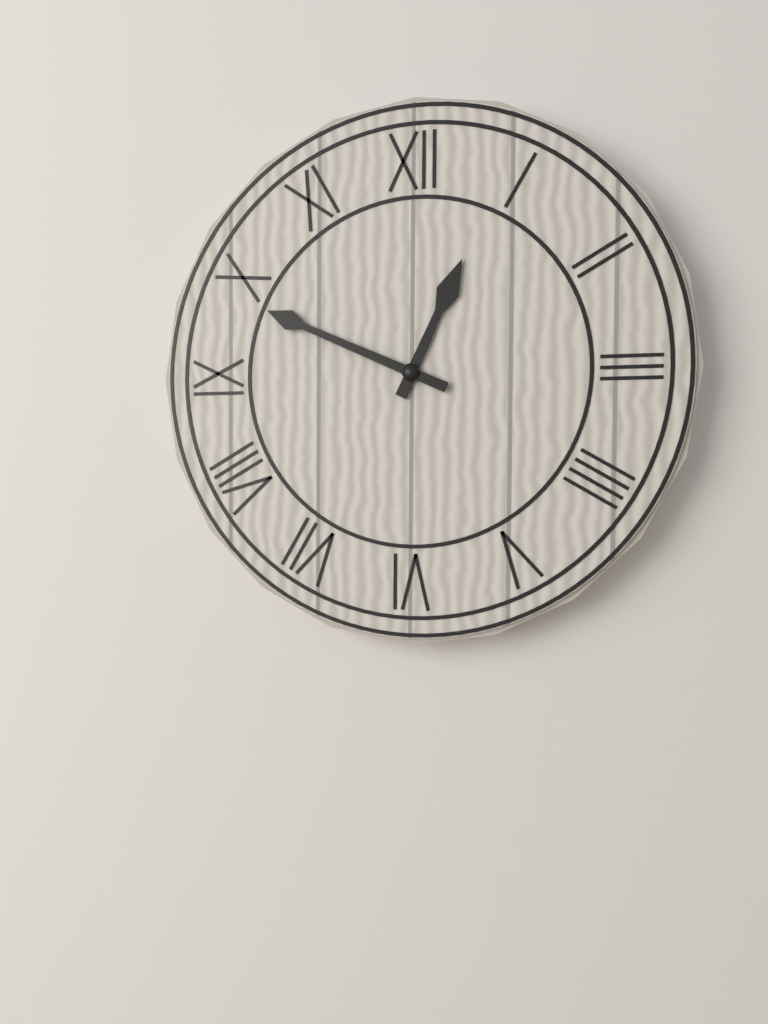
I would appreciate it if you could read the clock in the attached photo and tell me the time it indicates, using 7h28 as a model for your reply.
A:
12h49
